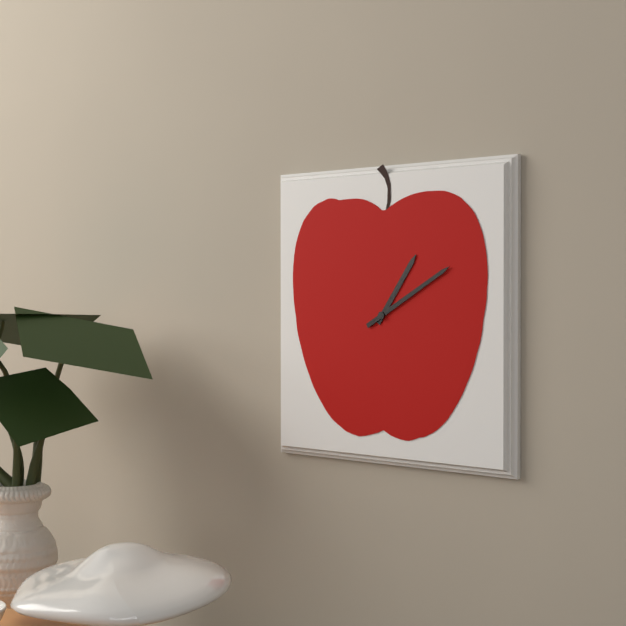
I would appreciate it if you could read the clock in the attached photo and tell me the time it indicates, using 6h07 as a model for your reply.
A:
1h10
